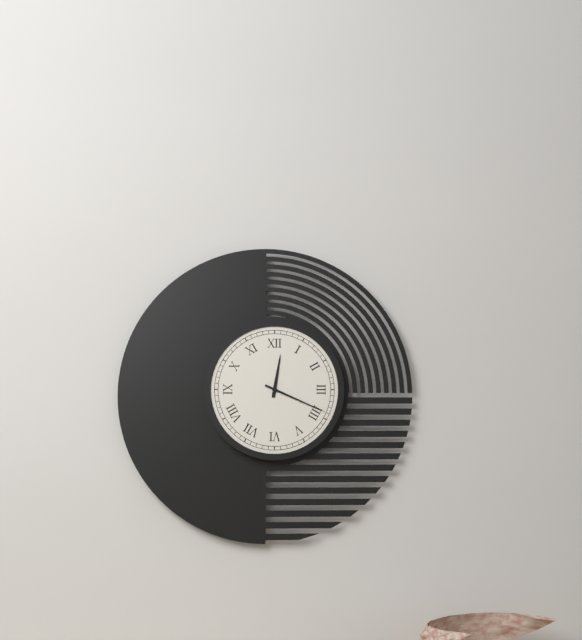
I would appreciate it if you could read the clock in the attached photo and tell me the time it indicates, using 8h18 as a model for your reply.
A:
12h19
